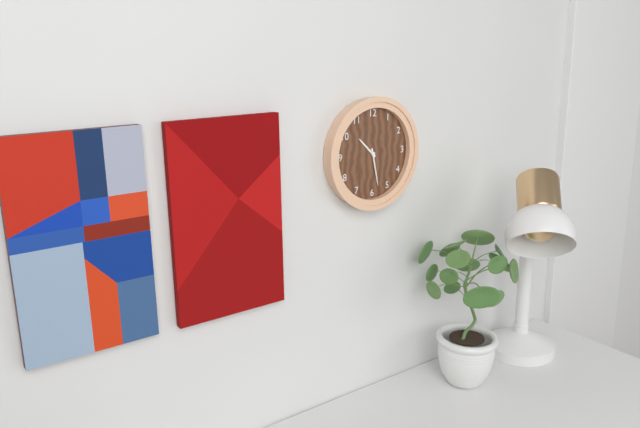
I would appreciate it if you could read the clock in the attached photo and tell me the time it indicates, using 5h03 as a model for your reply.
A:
10h28
